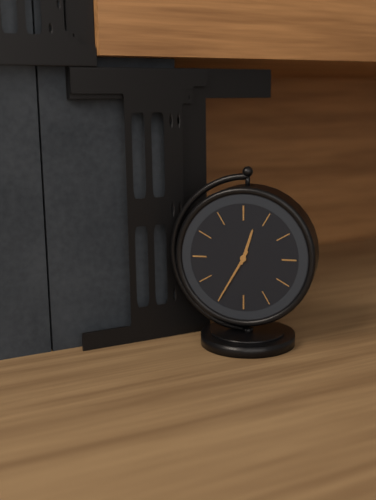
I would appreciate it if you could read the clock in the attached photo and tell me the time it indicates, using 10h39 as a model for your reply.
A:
12h35
